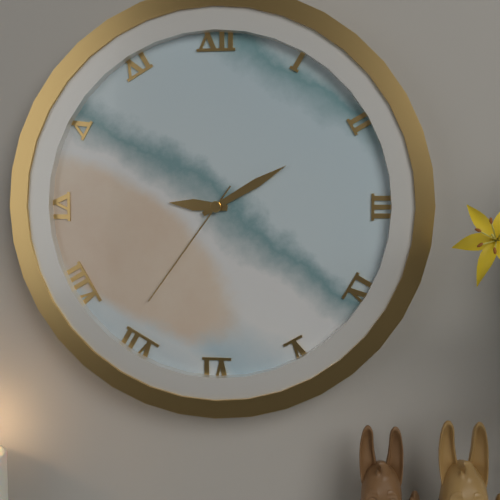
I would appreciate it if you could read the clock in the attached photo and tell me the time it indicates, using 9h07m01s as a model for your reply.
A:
9h10m36s
